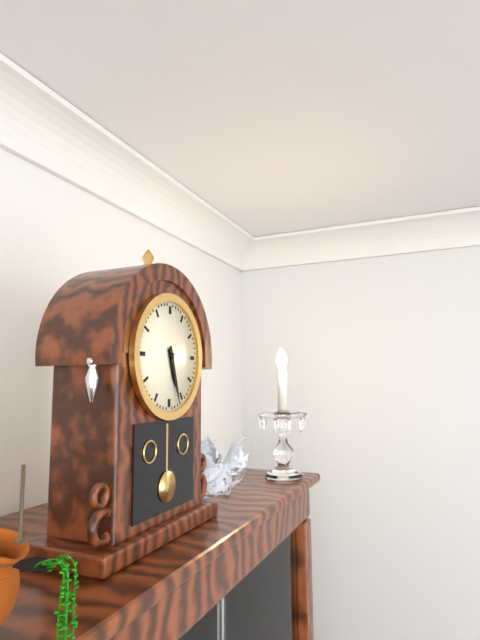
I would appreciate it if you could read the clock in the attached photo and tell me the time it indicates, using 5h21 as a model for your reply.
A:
5h27
